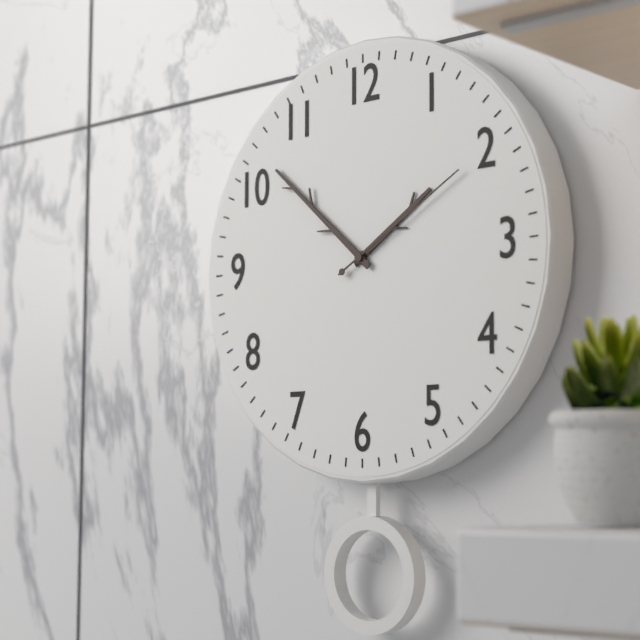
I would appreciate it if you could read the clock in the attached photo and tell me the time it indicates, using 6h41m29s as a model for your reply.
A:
1h52m10s
